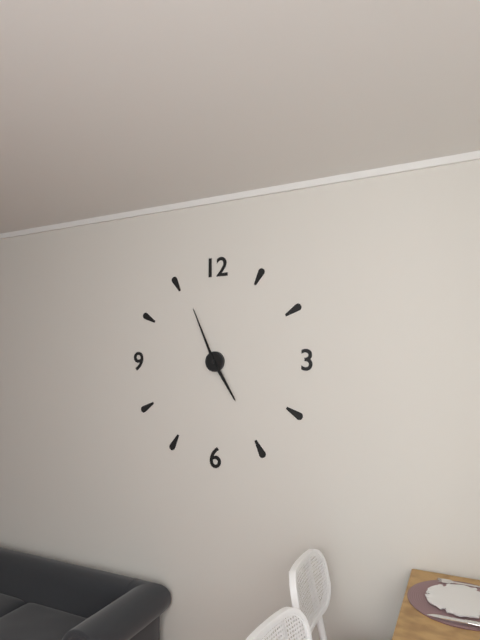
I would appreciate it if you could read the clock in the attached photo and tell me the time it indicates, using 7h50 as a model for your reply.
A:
4h56
